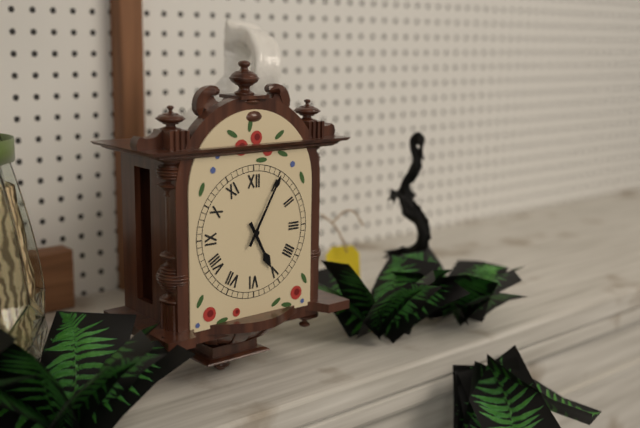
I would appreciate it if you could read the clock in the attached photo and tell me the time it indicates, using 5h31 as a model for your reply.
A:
5h05
